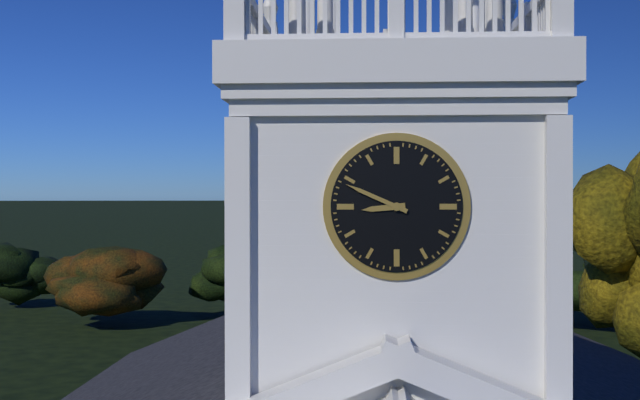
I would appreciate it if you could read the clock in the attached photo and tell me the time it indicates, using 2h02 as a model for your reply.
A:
8h49
